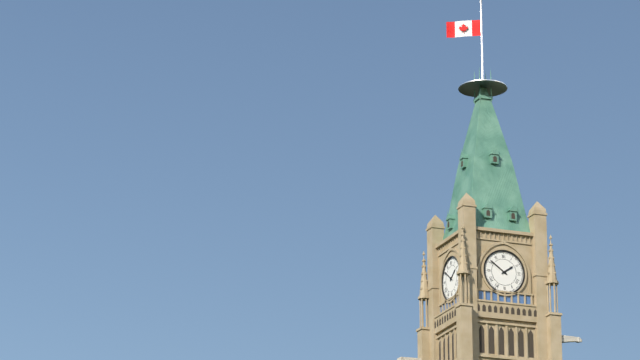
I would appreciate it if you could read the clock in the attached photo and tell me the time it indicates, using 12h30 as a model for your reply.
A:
1h51
